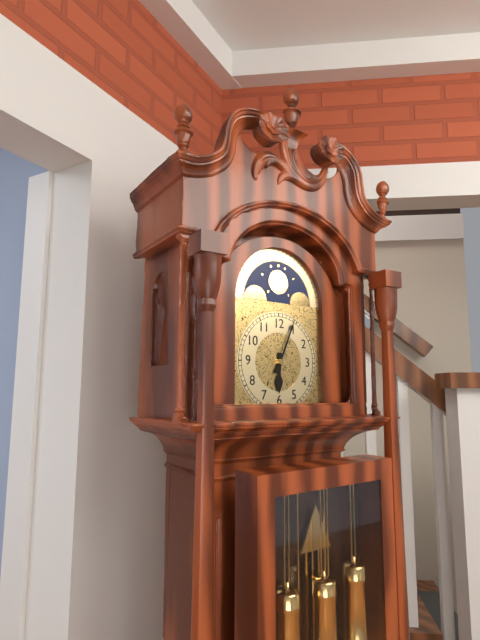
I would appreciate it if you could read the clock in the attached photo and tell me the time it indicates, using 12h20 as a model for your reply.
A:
6h04
